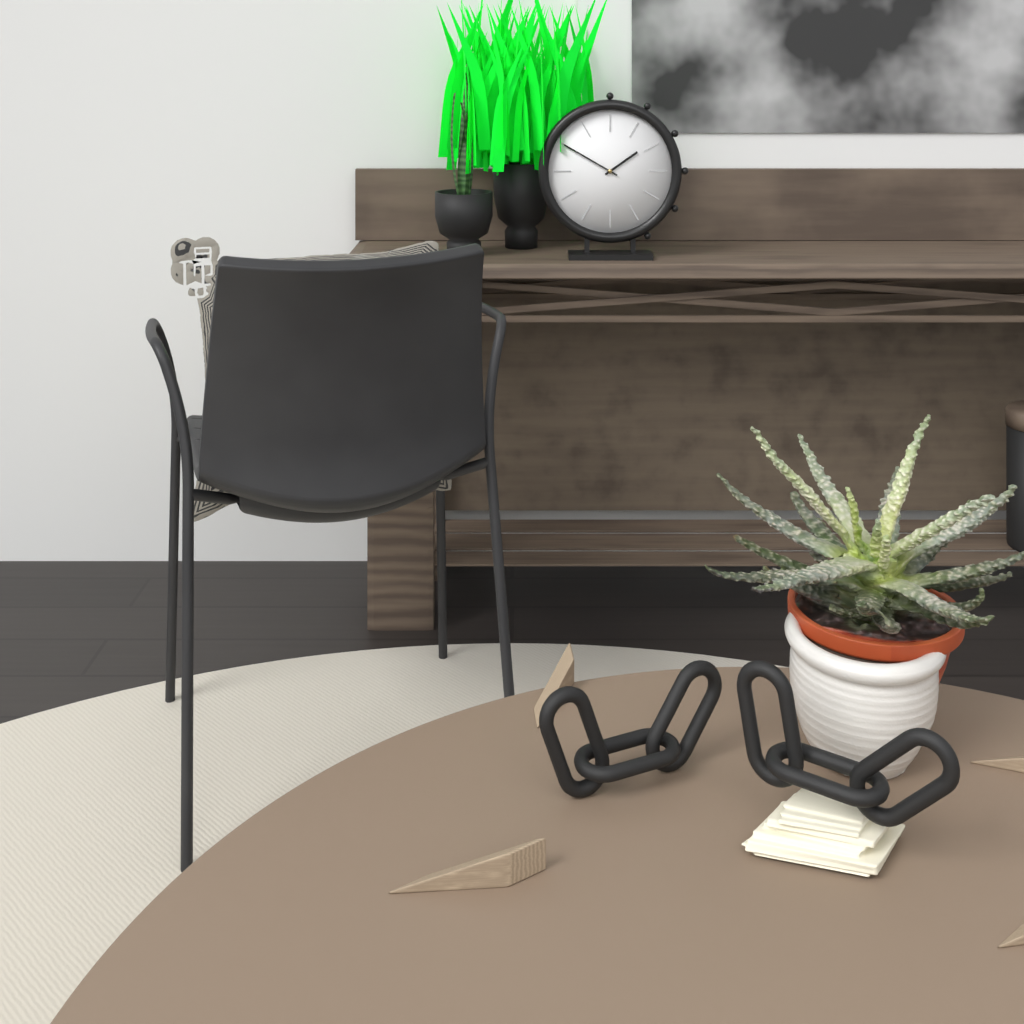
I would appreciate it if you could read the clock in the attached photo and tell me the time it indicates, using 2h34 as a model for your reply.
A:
1h50
